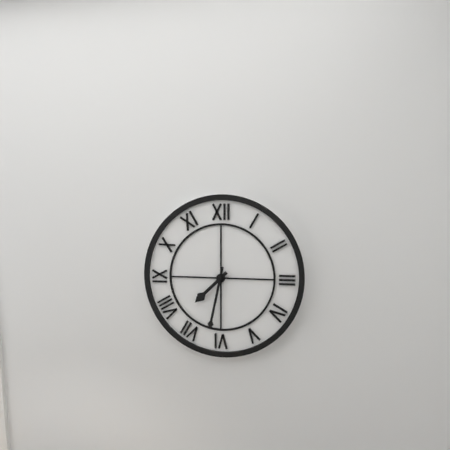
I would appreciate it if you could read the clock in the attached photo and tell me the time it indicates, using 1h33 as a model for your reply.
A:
7h32
